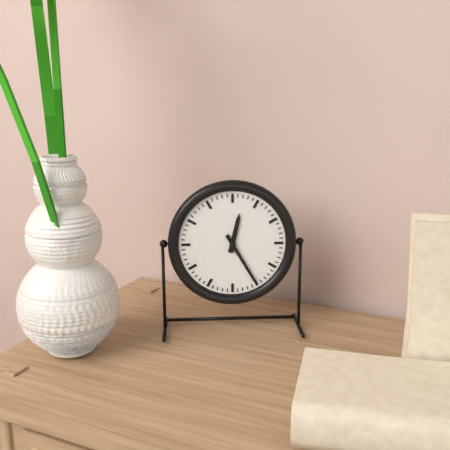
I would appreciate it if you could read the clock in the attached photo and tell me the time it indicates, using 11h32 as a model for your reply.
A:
12h25
